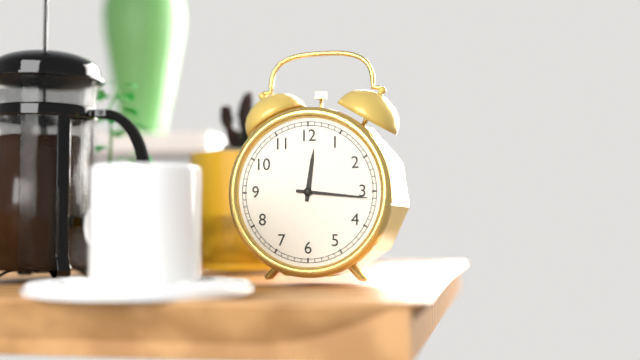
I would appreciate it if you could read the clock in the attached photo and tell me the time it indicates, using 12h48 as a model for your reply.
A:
12h16
